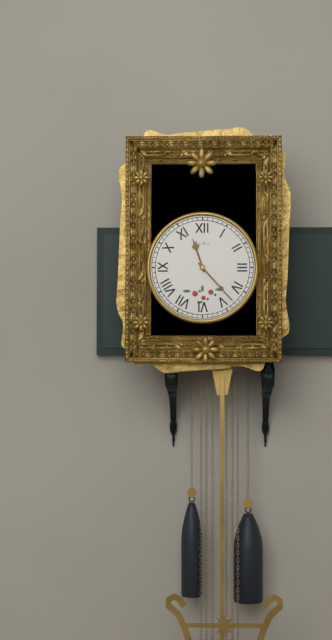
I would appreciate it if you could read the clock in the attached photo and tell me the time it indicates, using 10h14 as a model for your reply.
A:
11h23
